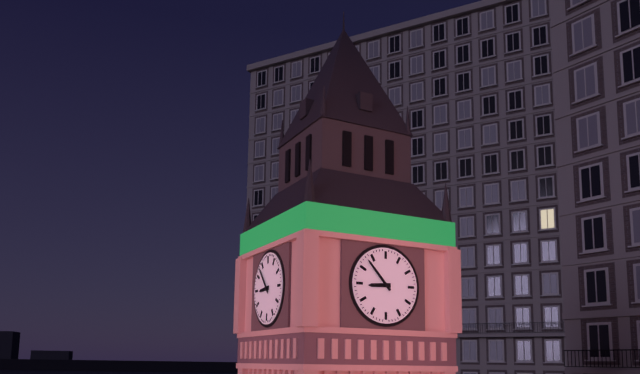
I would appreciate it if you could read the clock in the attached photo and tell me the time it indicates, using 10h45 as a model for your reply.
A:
8h53
